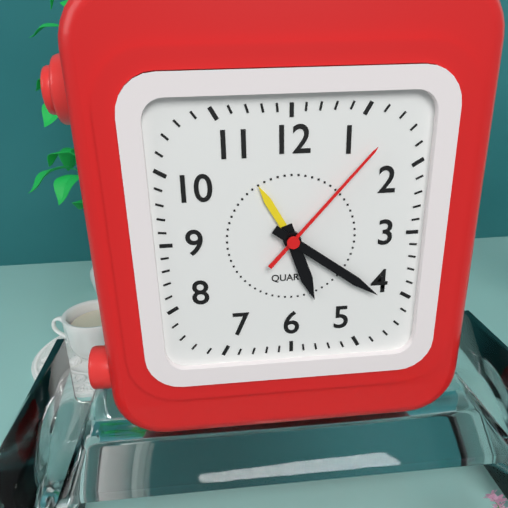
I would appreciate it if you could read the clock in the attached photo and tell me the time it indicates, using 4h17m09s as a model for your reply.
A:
5h21m07s
